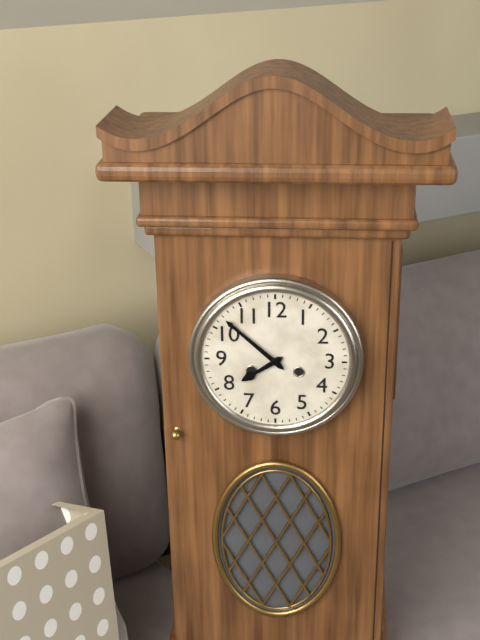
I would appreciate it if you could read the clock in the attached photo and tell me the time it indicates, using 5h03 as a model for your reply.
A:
7h52
